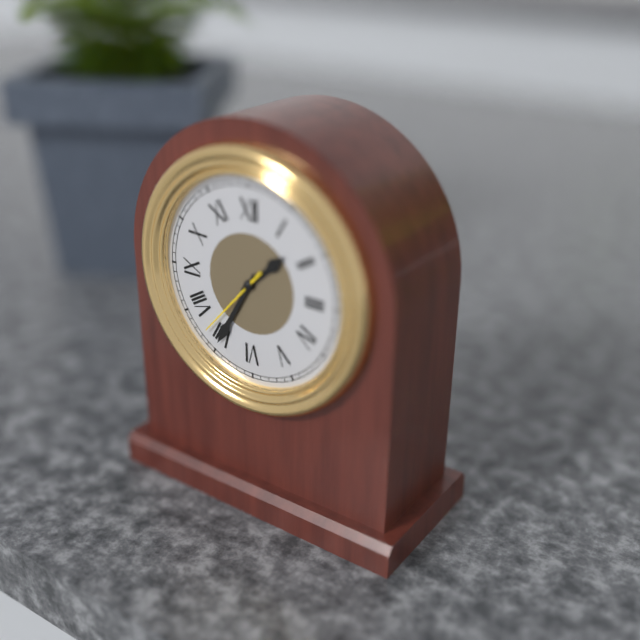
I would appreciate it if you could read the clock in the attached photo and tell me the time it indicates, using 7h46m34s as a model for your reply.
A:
1h35m37s
